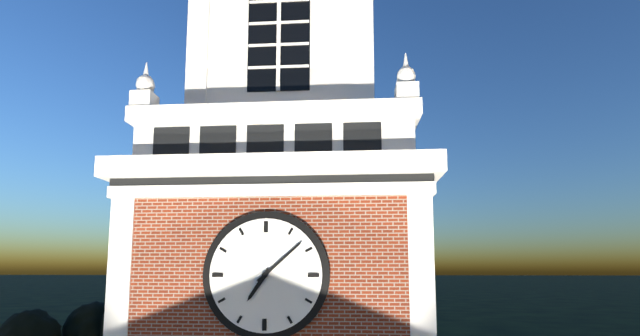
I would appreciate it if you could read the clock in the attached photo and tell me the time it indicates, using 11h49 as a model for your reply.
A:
7h08
